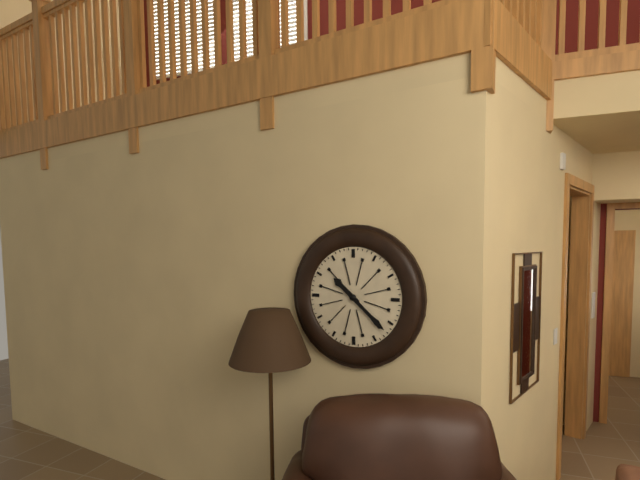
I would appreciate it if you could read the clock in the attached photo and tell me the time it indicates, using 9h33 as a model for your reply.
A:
10h22
